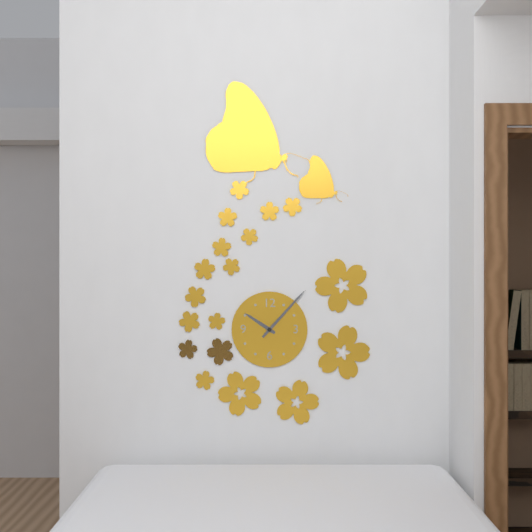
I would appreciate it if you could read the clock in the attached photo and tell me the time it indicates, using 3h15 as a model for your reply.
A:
10h07
